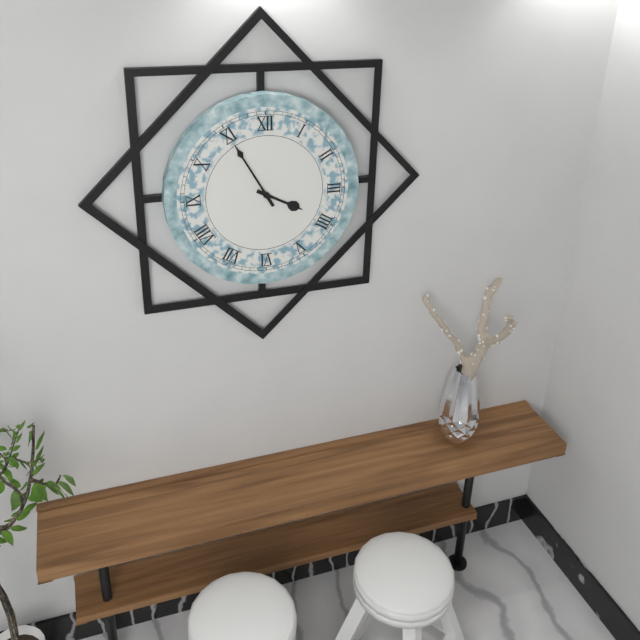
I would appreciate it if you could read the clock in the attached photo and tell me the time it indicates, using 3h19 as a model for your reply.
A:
3h55
